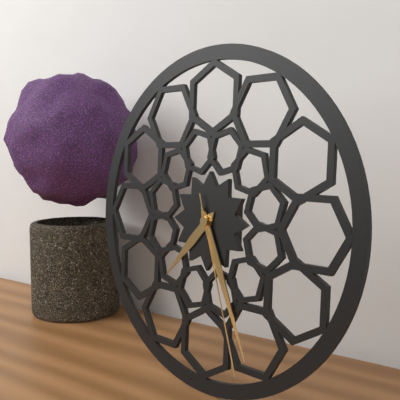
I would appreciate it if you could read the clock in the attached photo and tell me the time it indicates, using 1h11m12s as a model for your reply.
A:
7h26m27s
